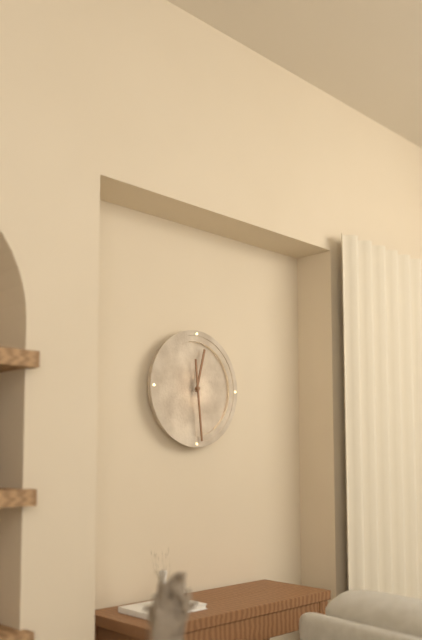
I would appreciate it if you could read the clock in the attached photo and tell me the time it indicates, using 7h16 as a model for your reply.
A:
12h29
